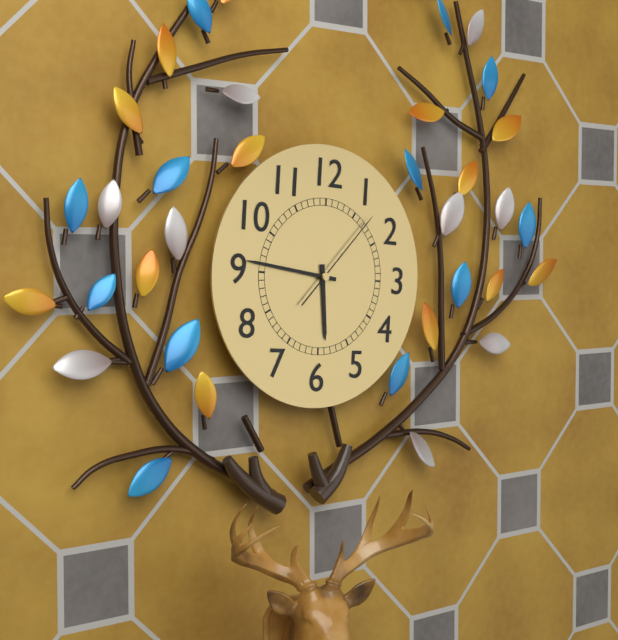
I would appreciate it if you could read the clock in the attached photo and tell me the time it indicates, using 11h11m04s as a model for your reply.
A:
5h46m07s
